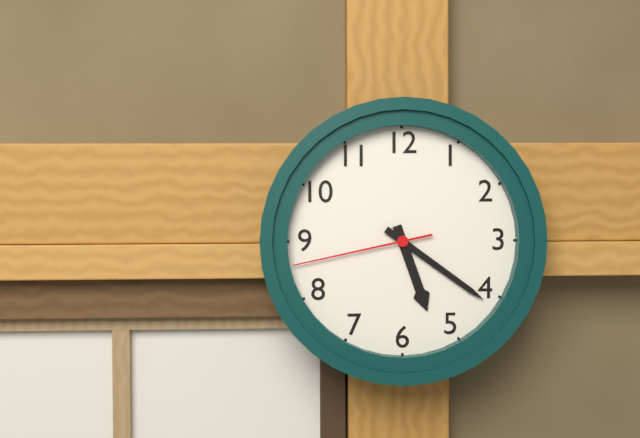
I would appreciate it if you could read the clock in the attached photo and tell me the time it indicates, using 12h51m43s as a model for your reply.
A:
5h21m43s
